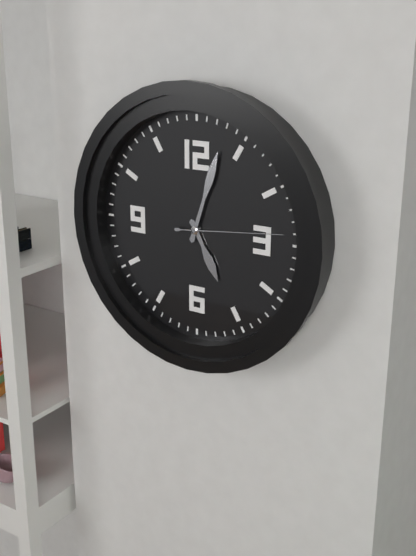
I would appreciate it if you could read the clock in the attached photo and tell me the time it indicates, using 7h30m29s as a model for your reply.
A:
5h03m14s
